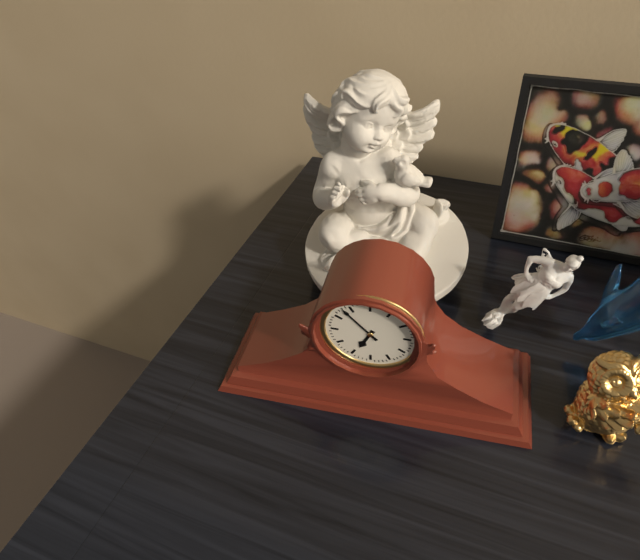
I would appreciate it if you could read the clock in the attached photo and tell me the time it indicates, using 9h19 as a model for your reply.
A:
6h53
